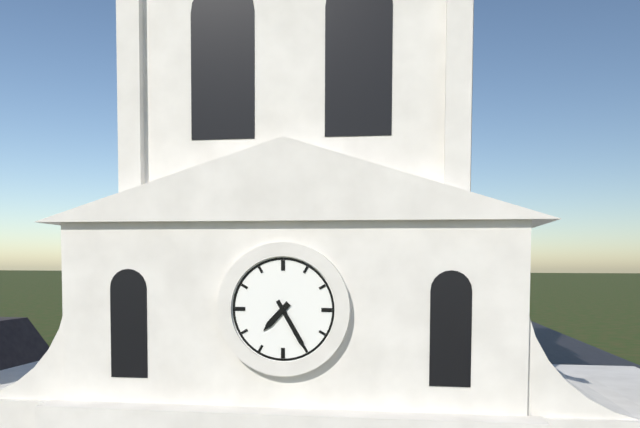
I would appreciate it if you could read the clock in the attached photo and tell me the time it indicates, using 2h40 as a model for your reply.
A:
7h25
